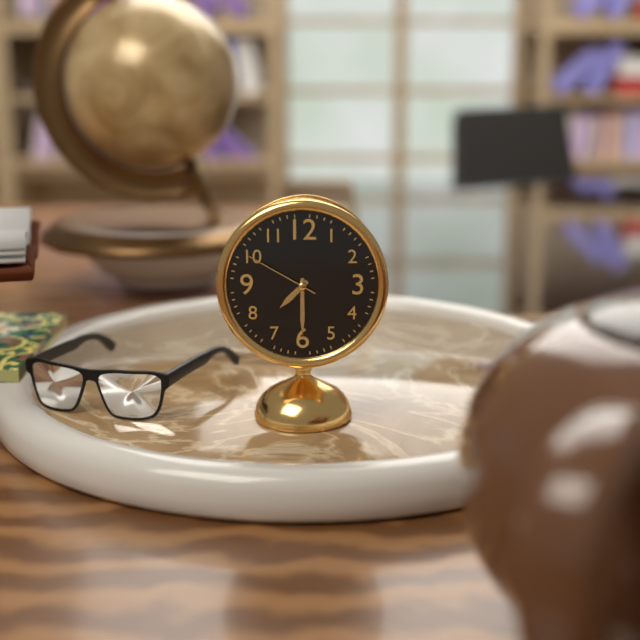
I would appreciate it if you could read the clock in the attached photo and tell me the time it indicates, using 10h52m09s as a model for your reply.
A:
7h30m50s
